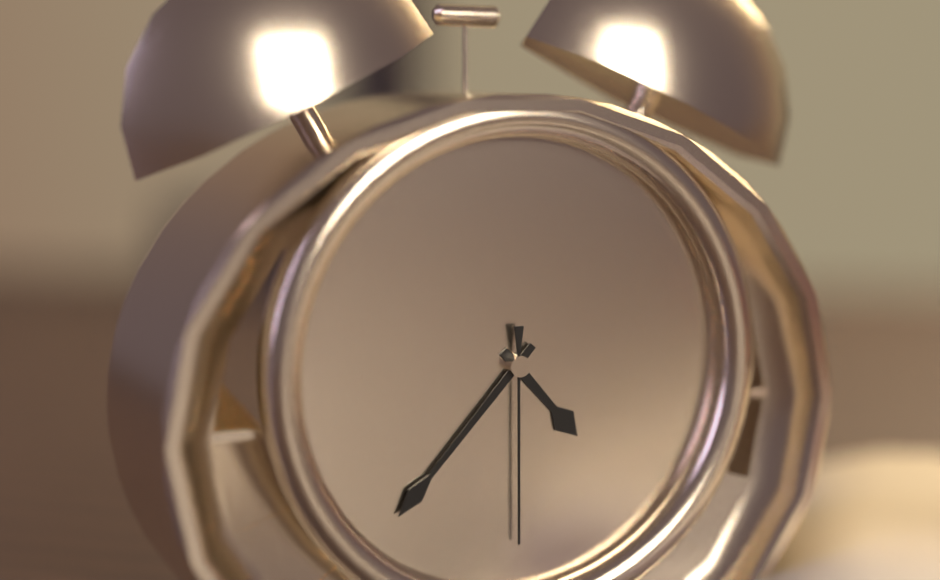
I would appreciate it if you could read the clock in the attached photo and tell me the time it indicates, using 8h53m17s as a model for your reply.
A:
4h37m30s
